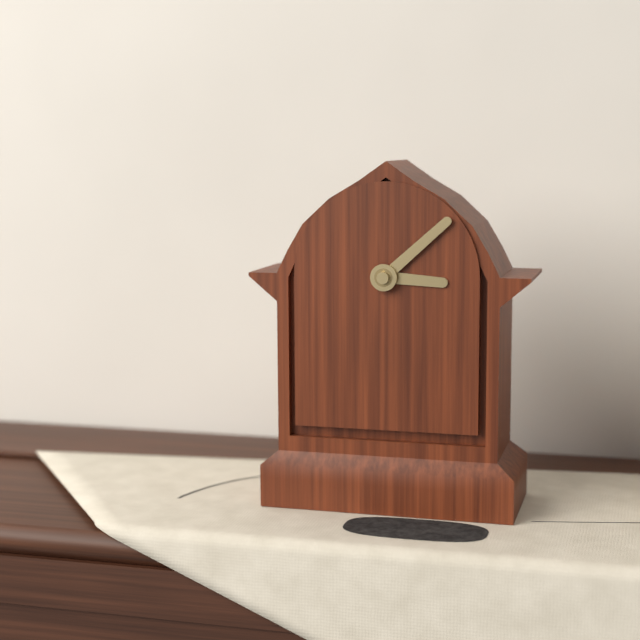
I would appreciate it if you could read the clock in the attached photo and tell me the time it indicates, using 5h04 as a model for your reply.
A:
3h08
